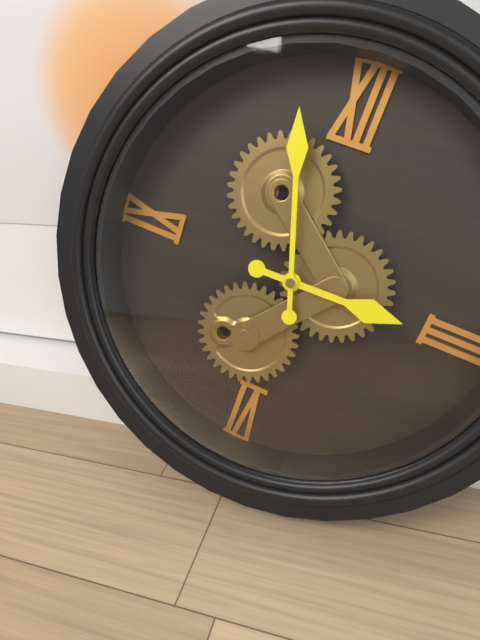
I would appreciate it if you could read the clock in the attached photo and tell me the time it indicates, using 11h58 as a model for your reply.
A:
2h57
